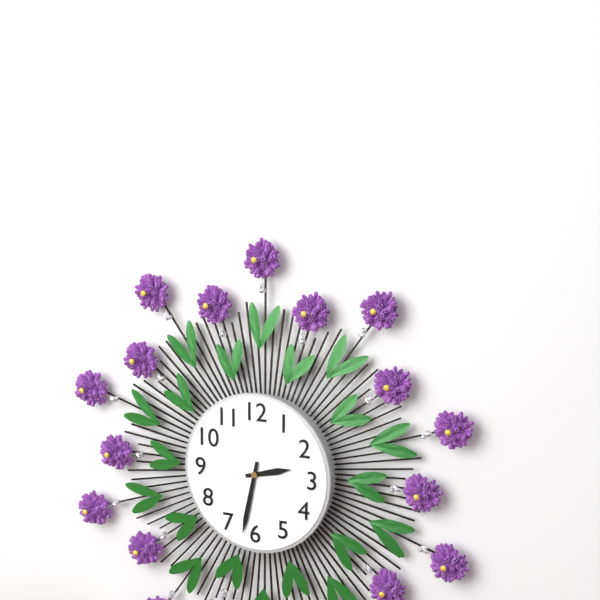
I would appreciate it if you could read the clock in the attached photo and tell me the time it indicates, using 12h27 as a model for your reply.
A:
2h32
